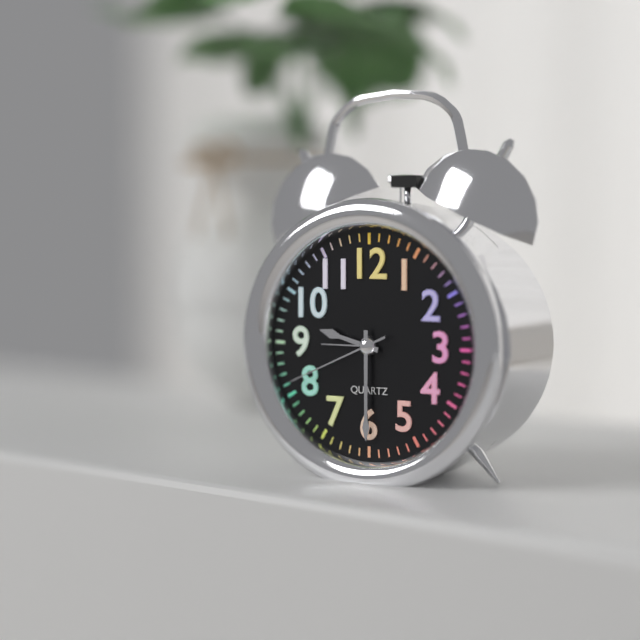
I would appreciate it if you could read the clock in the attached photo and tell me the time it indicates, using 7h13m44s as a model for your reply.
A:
9h30m41s
